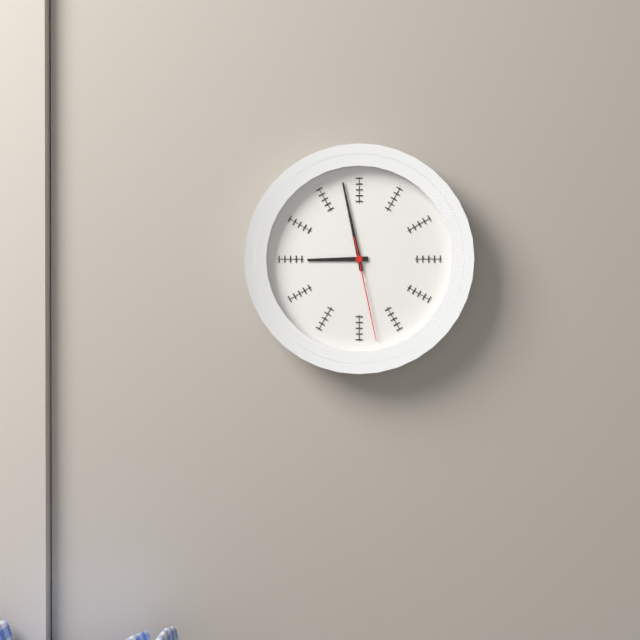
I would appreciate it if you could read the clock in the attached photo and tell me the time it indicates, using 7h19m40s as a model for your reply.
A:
8h58m28s
